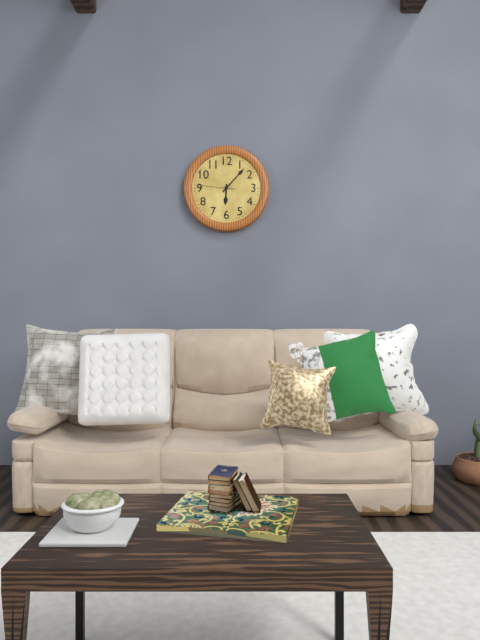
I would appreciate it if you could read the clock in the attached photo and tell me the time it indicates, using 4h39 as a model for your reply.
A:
6h07
